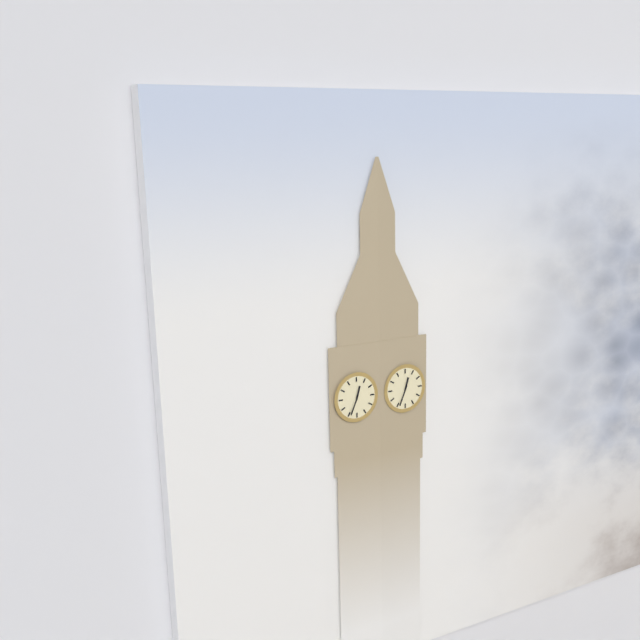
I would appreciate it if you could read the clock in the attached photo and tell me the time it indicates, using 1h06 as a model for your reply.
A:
12h34
